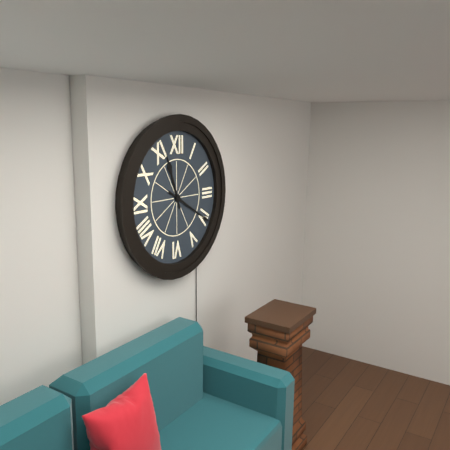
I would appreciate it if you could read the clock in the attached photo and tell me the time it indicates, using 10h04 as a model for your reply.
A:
11h20
